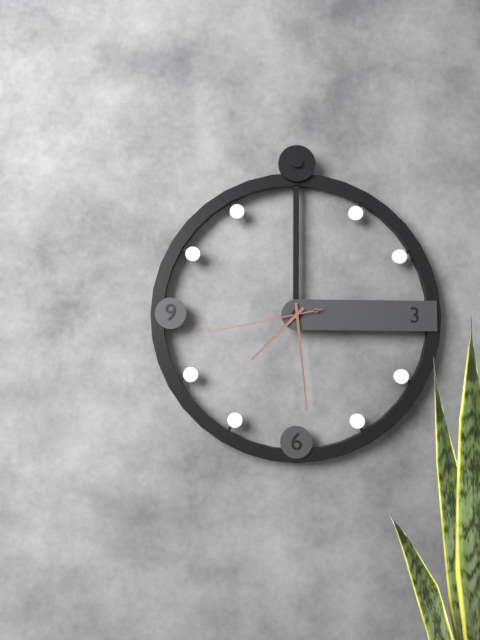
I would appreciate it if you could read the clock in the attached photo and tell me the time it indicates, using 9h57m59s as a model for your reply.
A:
7h29m43s
